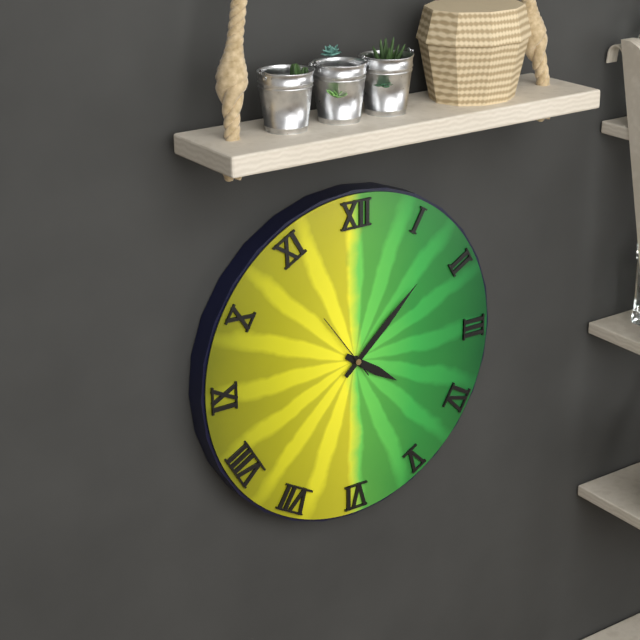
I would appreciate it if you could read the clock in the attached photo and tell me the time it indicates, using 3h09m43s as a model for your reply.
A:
4h08m54s
